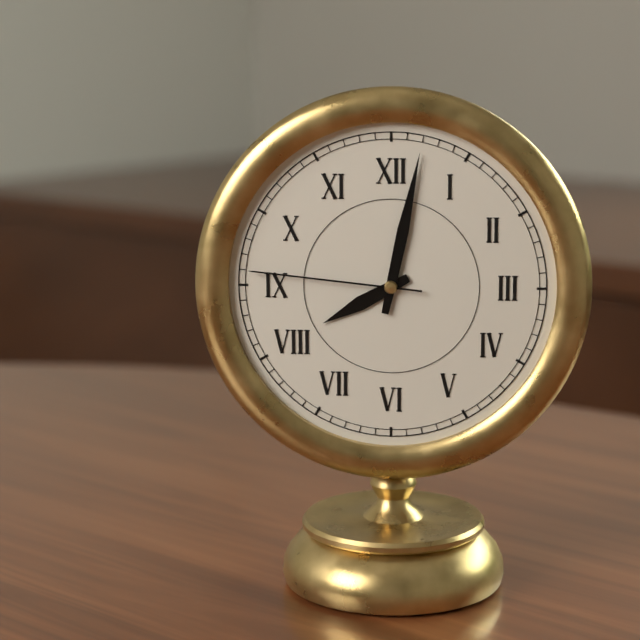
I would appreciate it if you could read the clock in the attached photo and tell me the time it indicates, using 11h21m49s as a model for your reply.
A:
8h02m46s
